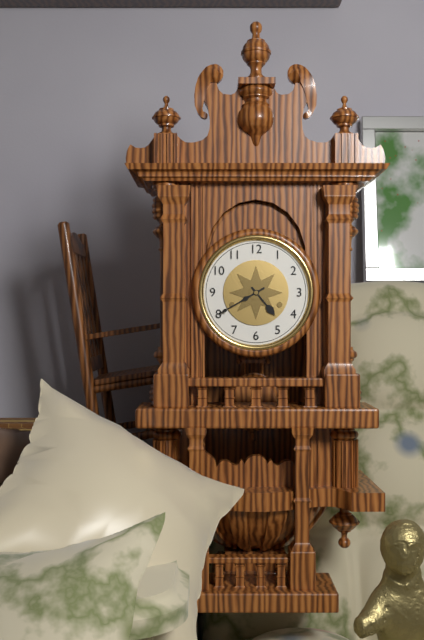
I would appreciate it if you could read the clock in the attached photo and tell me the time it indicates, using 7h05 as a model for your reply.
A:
4h40
